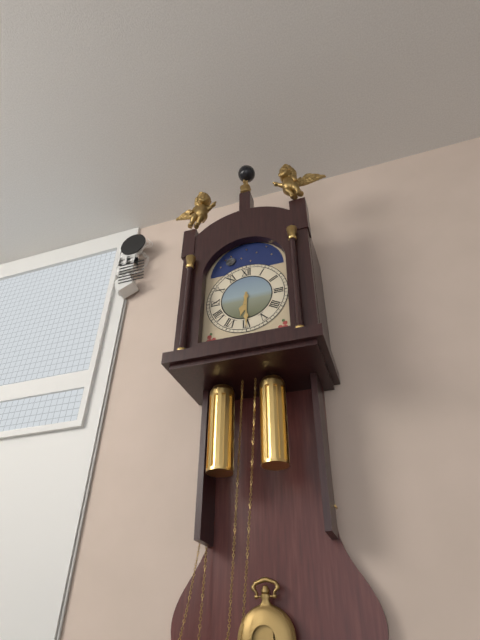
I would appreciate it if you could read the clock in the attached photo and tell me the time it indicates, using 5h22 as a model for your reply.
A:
6h30
